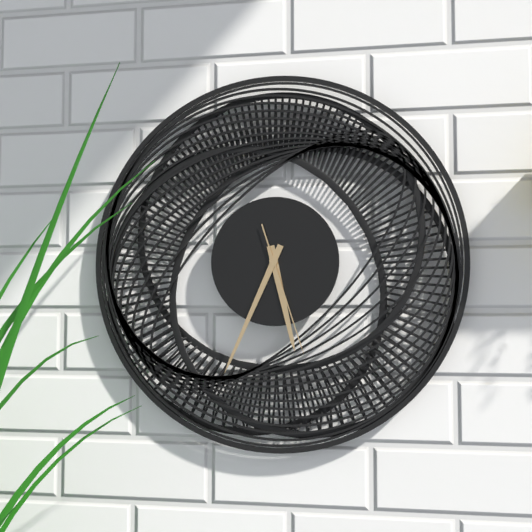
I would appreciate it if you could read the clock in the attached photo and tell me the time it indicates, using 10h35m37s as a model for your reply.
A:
5h34m27s
